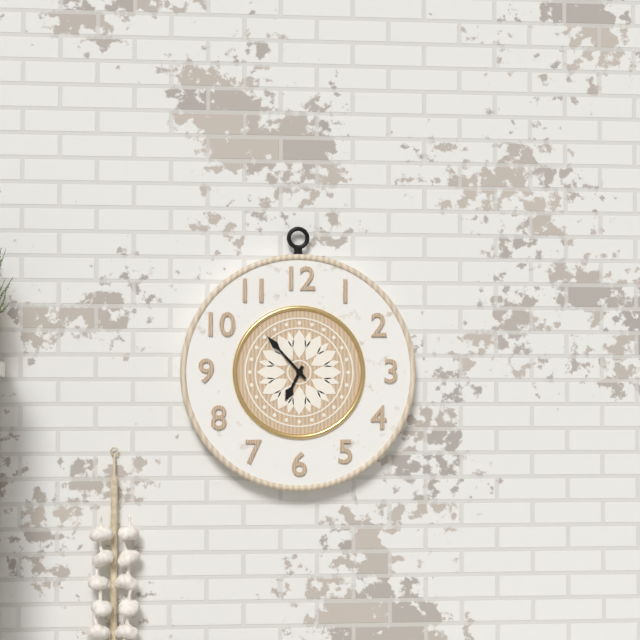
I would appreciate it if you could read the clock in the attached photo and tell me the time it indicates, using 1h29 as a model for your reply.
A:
6h53
